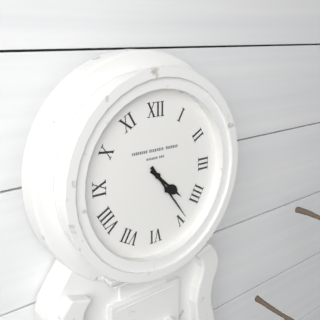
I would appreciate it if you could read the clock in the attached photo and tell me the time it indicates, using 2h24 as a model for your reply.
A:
4h24
